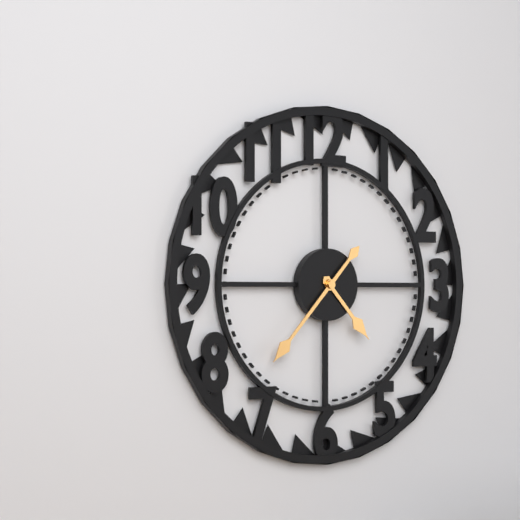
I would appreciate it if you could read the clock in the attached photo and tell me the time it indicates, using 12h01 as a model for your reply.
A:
4h37
